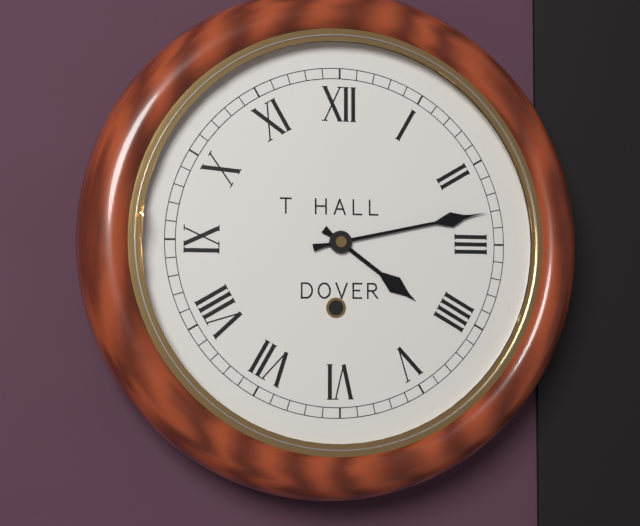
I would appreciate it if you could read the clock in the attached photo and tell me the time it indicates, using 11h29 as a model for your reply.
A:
4h13
